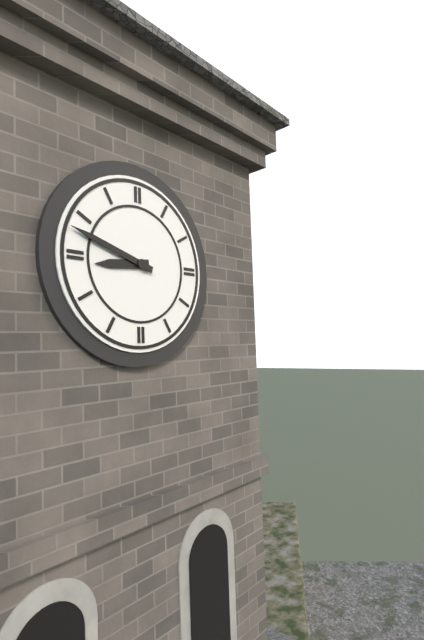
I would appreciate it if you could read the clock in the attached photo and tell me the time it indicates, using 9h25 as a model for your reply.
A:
8h48
